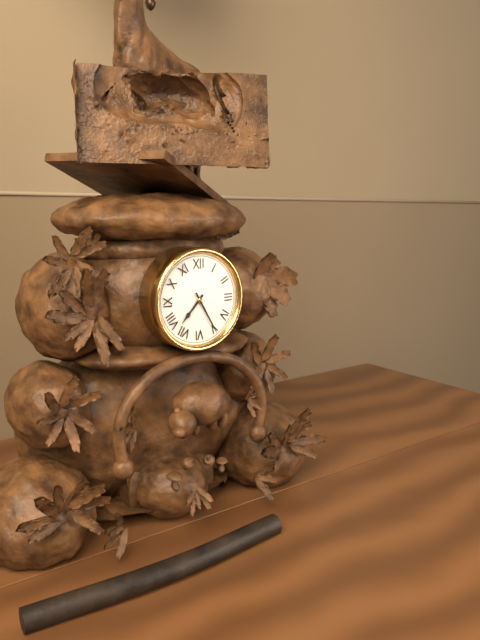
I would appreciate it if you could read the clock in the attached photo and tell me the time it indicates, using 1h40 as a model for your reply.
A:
7h25
